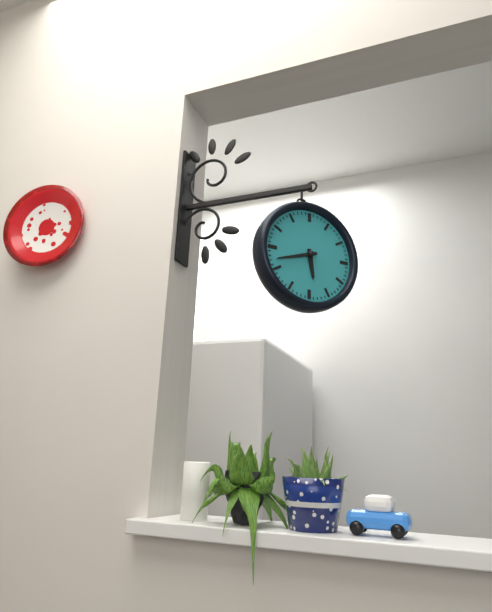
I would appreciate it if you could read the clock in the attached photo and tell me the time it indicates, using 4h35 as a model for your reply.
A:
5h42
